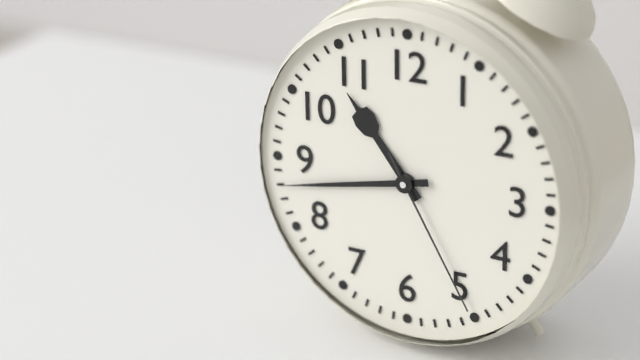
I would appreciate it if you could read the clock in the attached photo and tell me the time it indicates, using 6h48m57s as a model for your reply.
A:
10h43m25s
